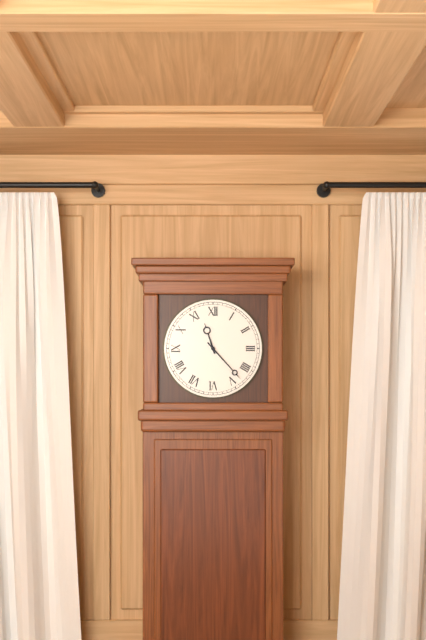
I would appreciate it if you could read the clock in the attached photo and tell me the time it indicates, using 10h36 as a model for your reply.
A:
11h23
